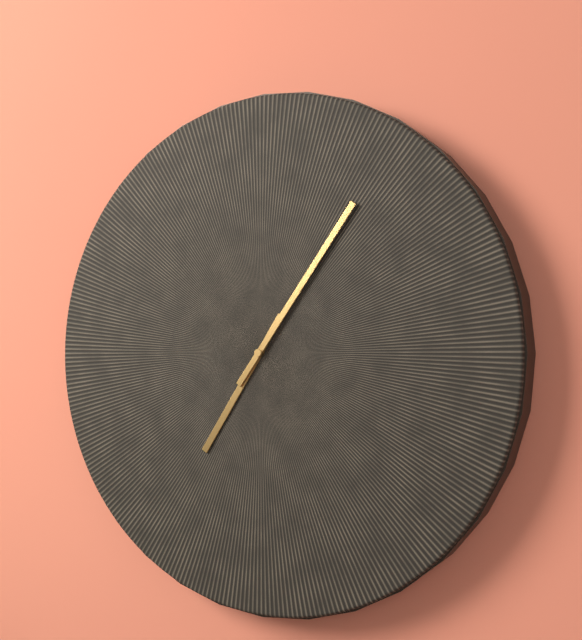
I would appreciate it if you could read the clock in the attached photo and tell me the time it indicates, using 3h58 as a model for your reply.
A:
7h06
